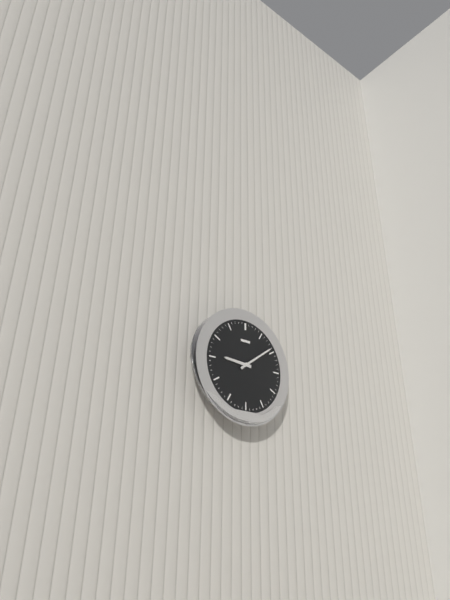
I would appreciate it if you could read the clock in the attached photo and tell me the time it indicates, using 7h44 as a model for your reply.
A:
9h09
